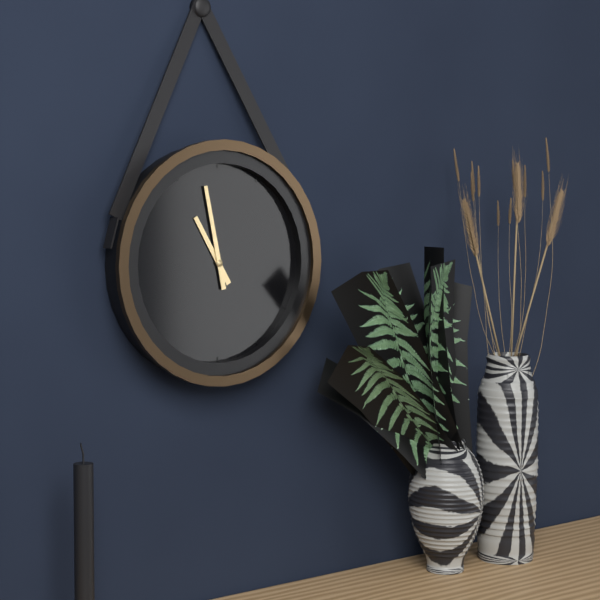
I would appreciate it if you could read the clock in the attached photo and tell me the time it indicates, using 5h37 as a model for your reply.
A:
10h58
